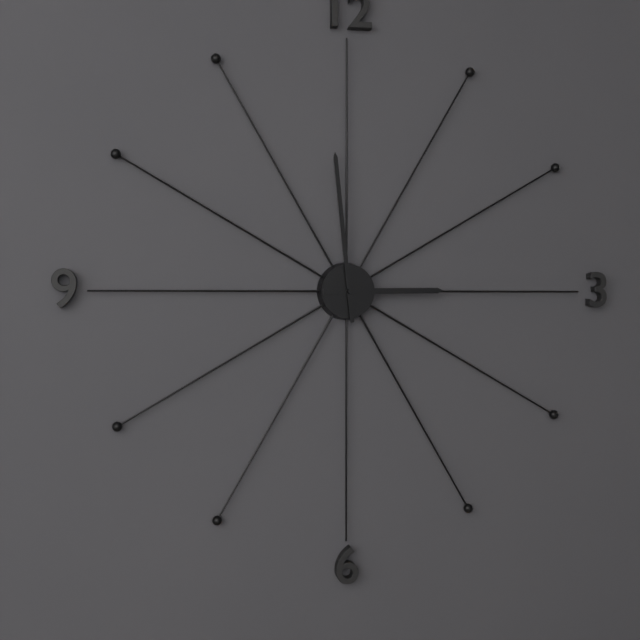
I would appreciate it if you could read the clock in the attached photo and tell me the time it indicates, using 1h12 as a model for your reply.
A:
2h59
